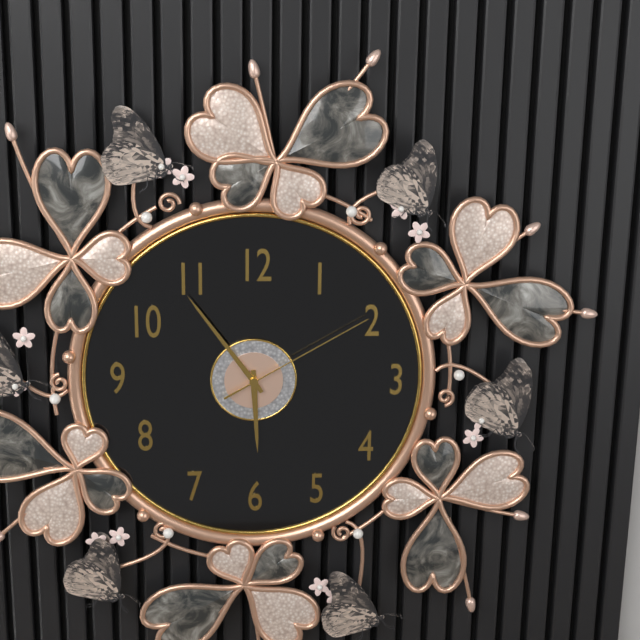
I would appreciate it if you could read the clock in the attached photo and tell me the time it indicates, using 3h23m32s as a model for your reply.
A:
5h54m10s
